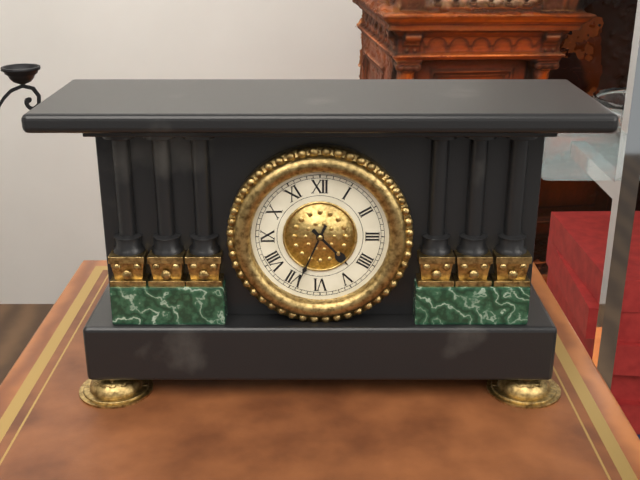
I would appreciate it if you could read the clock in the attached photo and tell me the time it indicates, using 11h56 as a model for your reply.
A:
4h34
